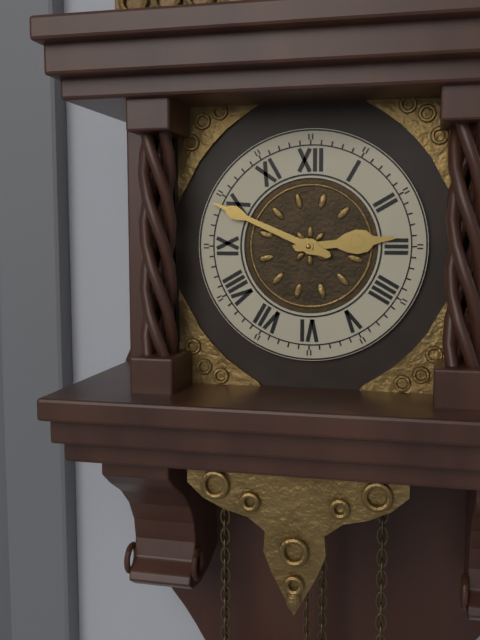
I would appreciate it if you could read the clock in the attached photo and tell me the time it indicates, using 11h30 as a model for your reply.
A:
2h49
